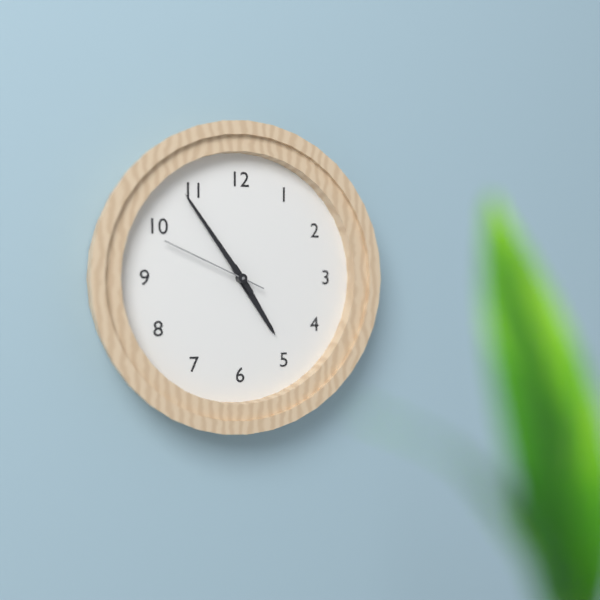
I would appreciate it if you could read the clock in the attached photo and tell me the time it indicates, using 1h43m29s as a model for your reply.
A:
4h54m49s
